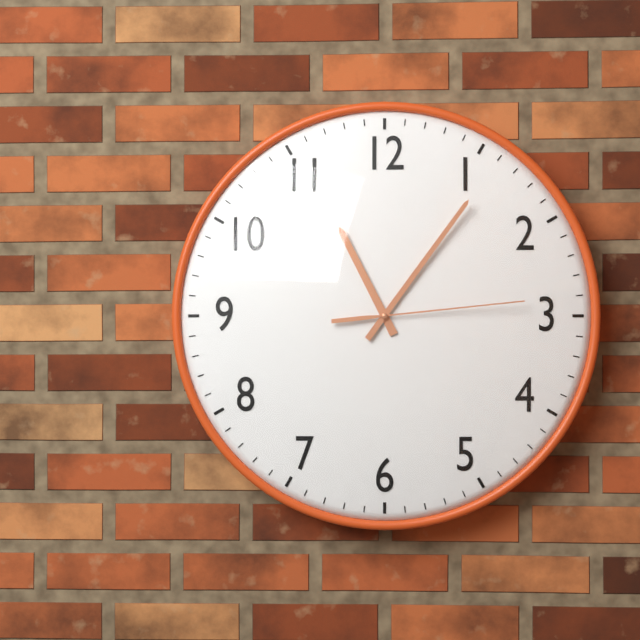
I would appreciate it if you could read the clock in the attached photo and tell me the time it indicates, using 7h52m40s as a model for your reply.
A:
11h06m14s
